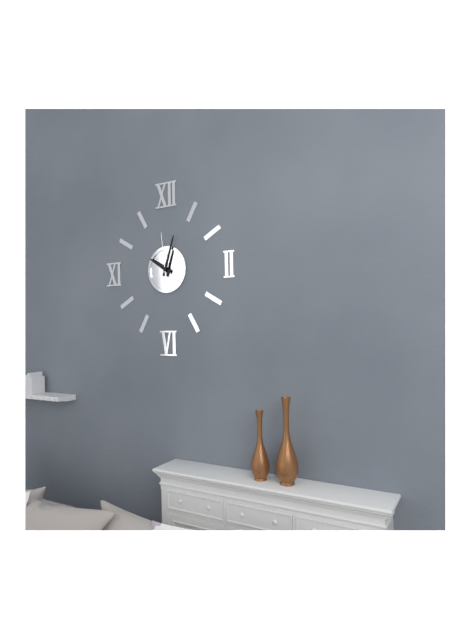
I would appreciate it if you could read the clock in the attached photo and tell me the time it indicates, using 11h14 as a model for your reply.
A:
10h03
